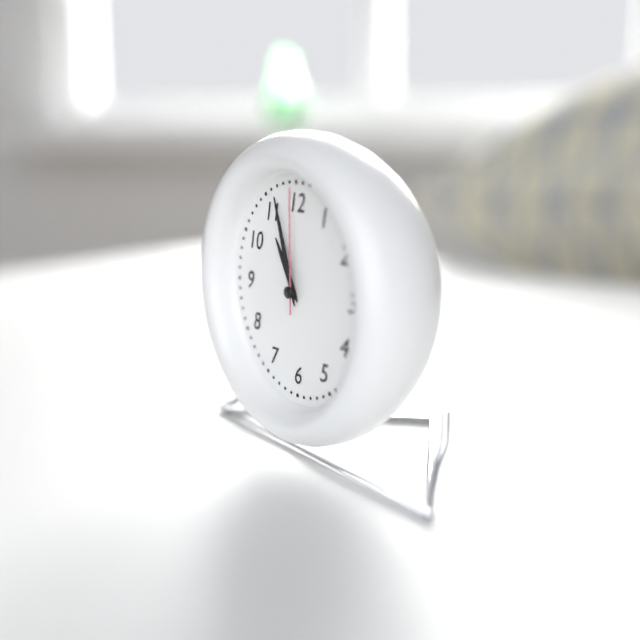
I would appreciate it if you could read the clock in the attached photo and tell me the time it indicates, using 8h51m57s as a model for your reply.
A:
10h57m00s
